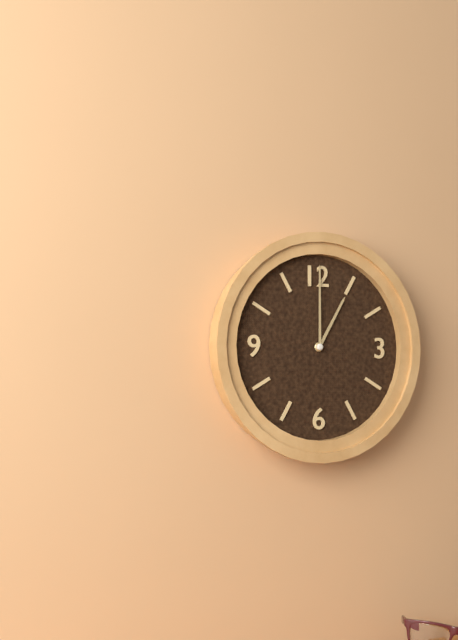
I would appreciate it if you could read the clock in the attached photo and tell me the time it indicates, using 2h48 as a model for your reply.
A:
1h00
